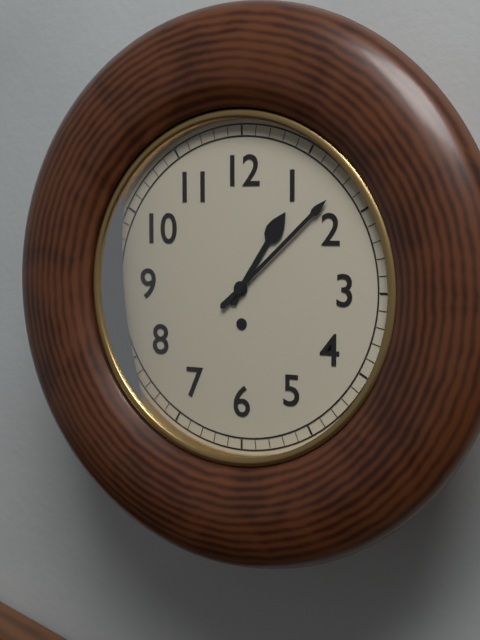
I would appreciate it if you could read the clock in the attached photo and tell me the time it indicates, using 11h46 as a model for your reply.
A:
1h08
